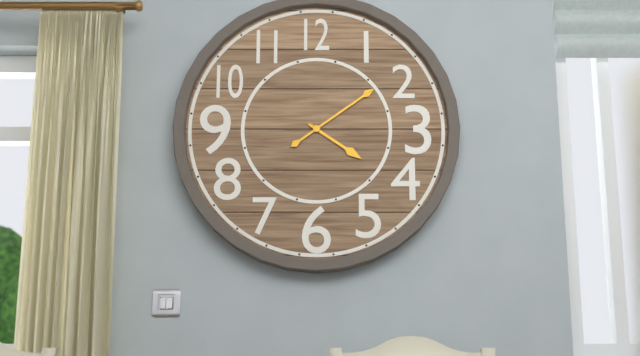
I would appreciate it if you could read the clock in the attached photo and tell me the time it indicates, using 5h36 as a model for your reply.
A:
4h09
